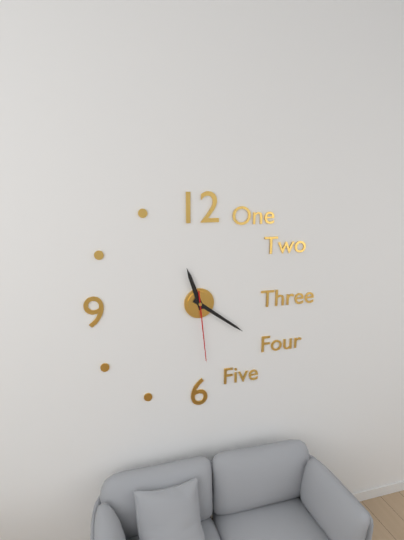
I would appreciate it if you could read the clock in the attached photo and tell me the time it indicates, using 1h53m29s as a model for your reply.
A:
11h21m29s
